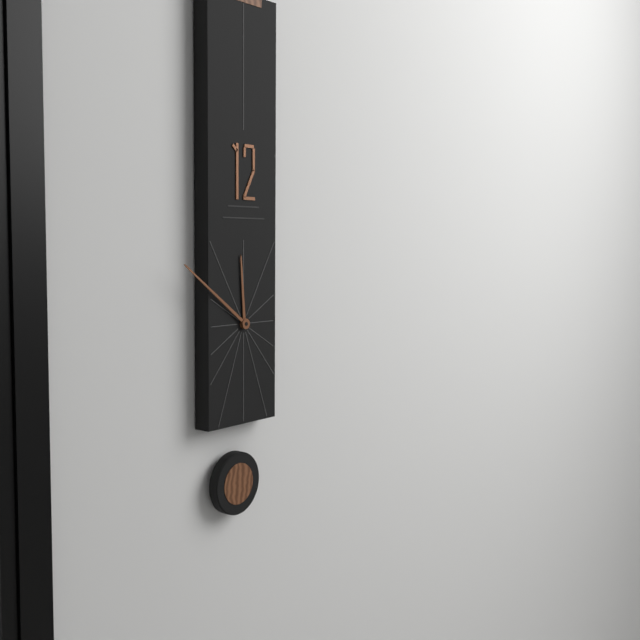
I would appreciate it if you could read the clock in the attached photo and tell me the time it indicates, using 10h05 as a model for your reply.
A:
11h51
